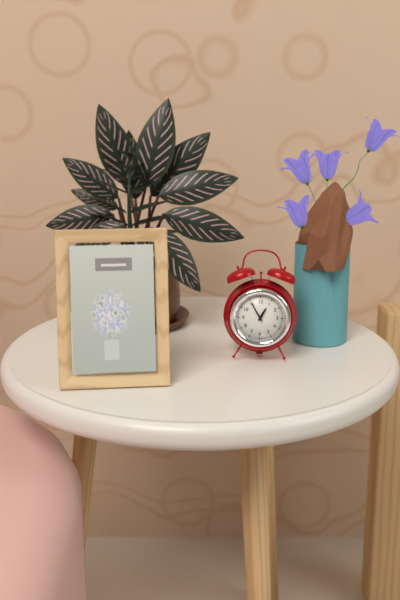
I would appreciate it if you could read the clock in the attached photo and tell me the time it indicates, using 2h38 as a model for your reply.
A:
12h55
